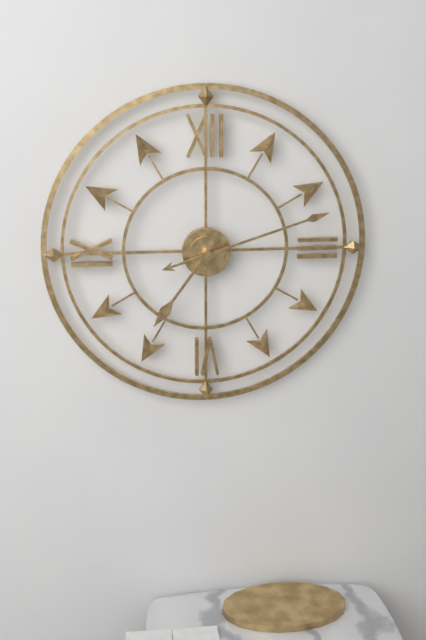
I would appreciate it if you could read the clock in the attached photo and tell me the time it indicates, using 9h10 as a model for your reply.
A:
7h12
